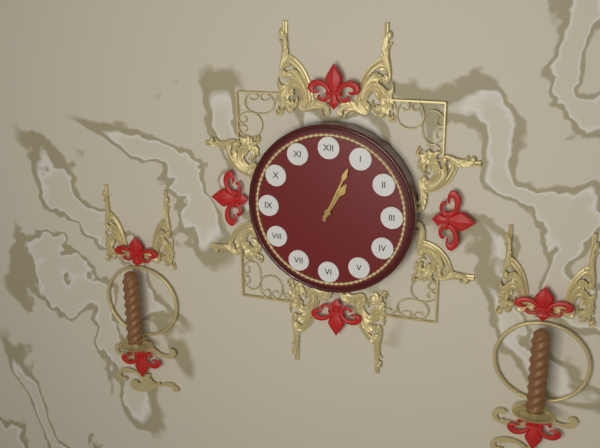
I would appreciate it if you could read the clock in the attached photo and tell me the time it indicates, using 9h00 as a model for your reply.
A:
1h04
